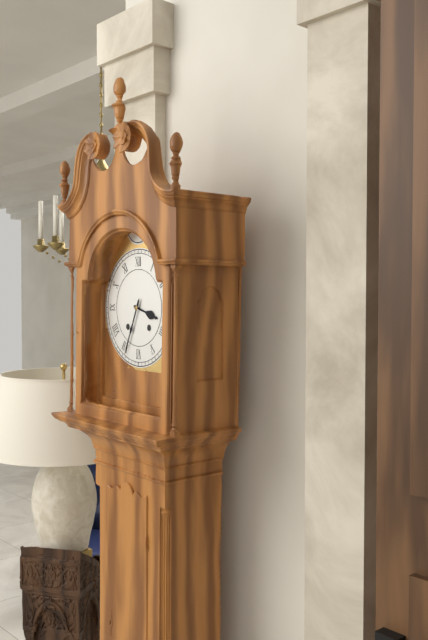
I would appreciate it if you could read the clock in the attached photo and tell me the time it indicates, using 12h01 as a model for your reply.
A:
3h34
